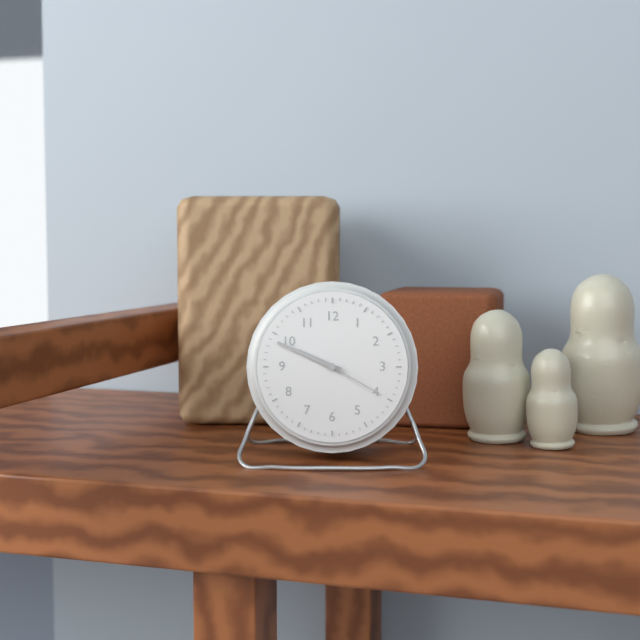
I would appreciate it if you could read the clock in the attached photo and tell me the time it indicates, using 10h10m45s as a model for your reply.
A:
9h49m20s
